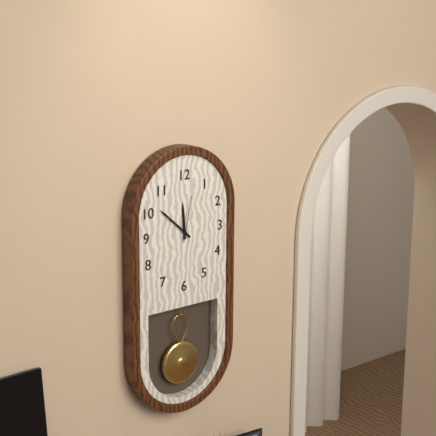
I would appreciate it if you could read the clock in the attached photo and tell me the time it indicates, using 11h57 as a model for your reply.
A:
11h52
